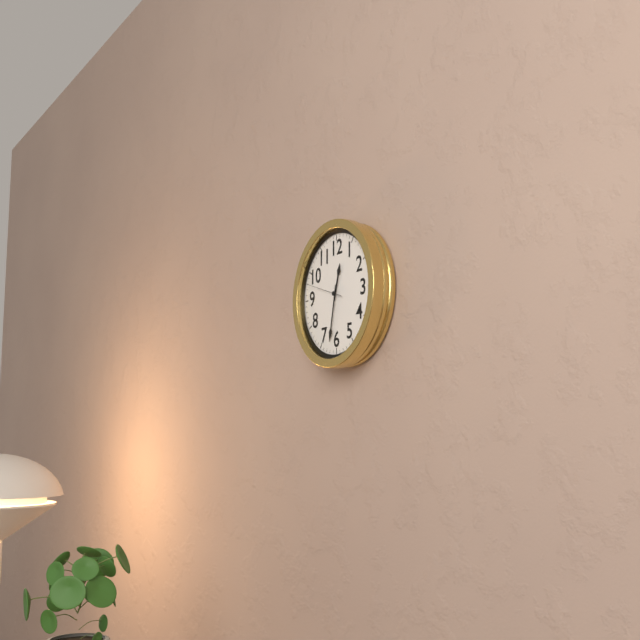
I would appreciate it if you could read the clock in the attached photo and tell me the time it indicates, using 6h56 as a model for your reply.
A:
12h32
